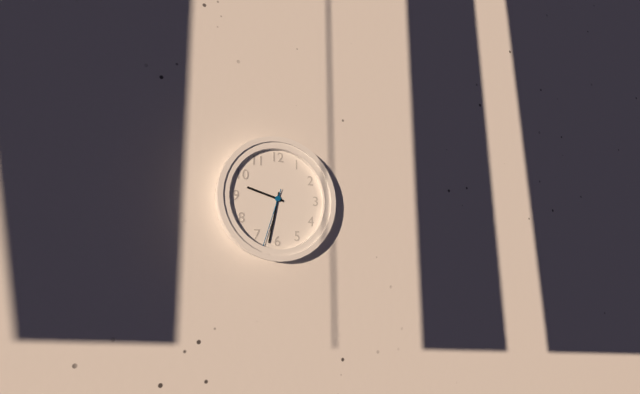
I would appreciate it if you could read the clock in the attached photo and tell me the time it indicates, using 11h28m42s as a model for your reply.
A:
9h32m33s
